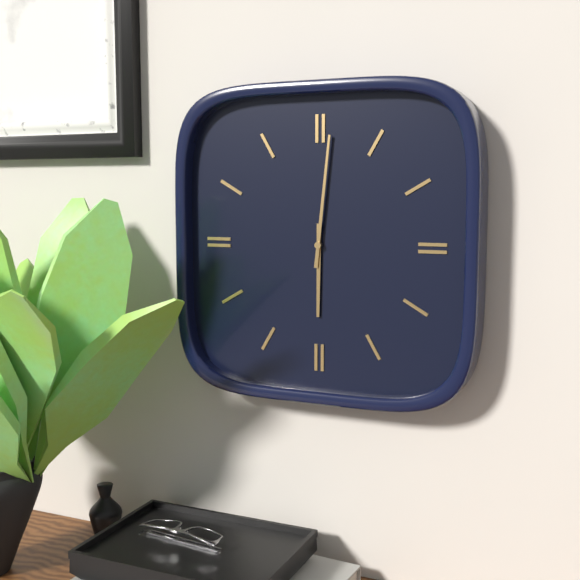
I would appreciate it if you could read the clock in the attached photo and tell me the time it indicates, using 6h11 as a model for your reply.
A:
6h01
